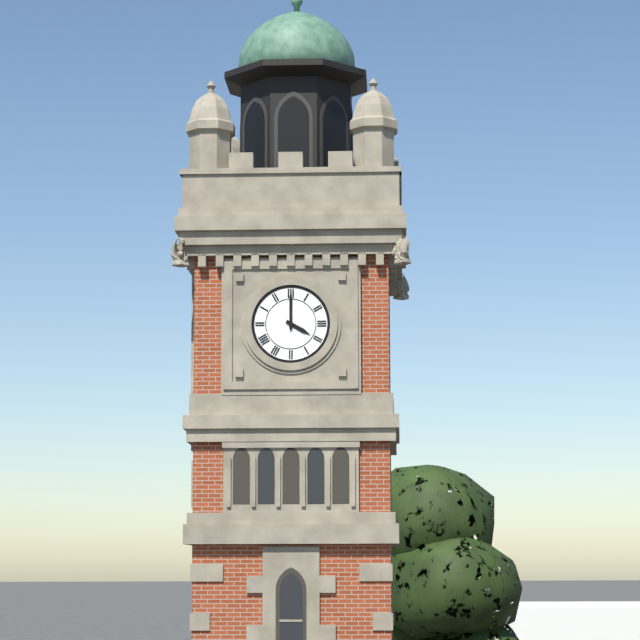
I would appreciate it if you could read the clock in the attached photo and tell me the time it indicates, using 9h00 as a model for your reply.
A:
4h00
